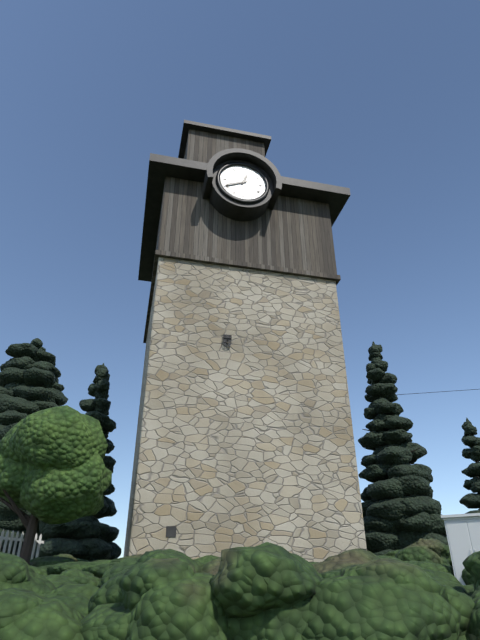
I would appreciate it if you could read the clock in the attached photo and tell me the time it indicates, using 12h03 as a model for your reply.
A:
12h41
